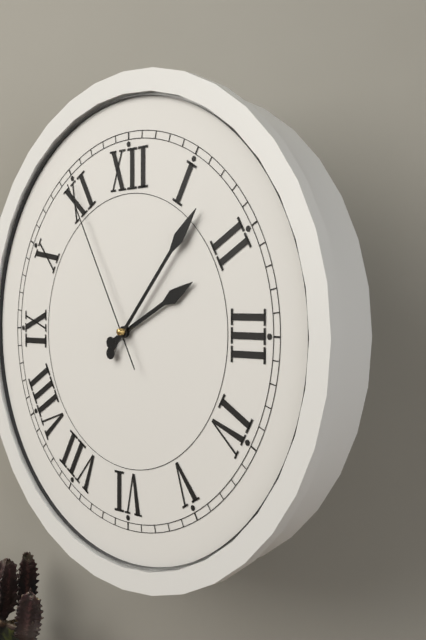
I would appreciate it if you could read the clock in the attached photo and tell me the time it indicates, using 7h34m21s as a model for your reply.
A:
2h07m55s
